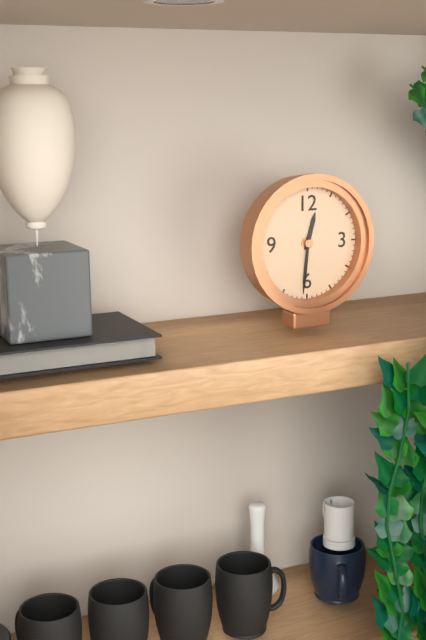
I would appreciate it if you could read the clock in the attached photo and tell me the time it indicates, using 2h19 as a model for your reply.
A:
12h31
